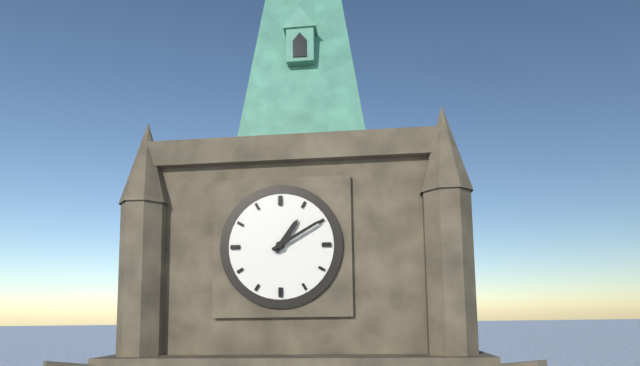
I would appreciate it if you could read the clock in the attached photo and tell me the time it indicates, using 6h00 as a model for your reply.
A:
1h10
